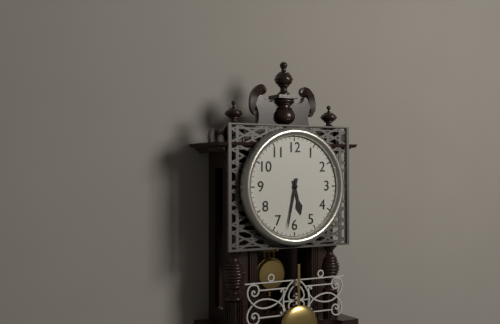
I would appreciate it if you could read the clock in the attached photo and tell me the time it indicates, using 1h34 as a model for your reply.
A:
5h32
